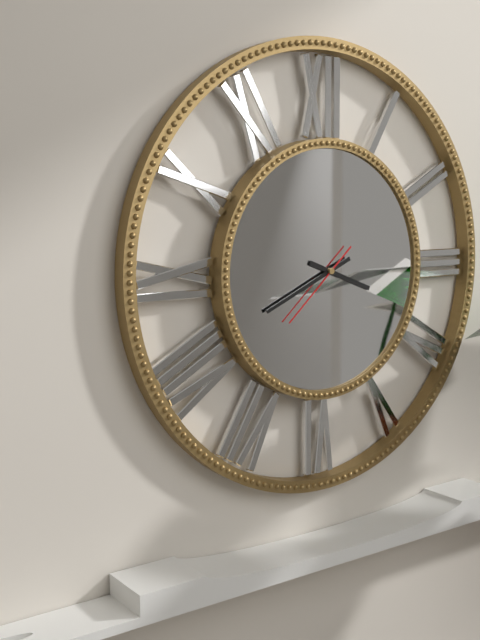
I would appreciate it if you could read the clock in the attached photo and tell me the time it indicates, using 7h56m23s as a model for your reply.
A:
3h41m38s
